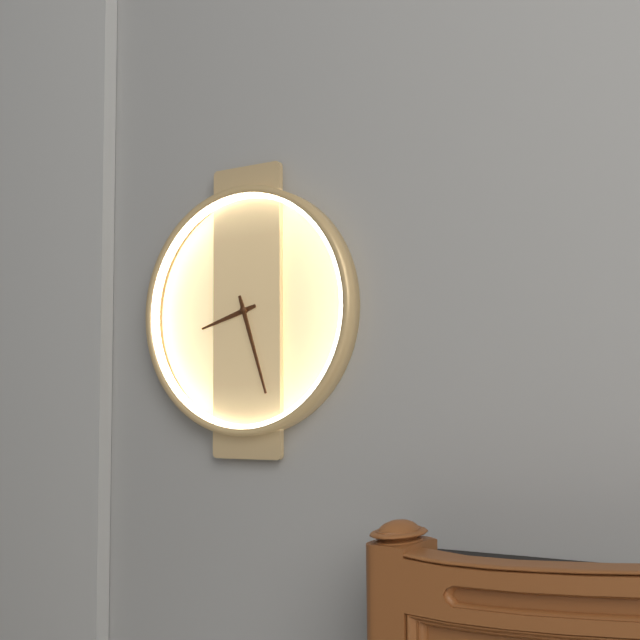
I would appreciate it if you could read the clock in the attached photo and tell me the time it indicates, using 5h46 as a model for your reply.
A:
8h27
